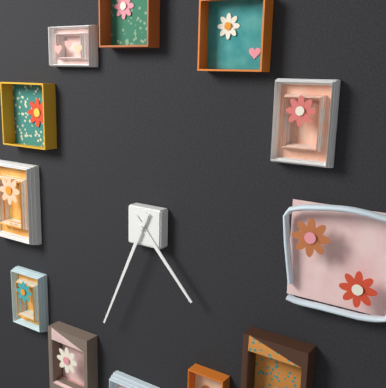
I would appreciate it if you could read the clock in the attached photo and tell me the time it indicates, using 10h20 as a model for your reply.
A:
4h34
